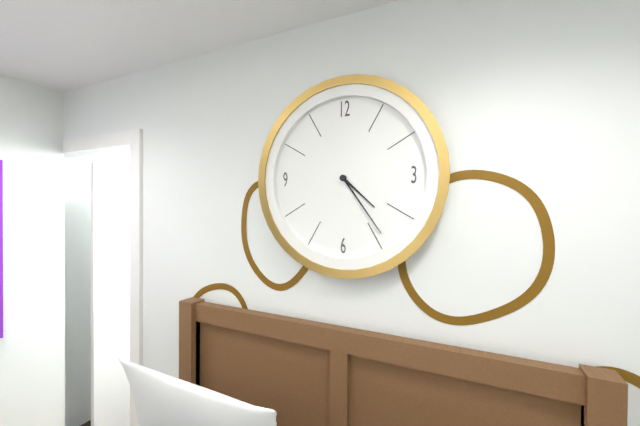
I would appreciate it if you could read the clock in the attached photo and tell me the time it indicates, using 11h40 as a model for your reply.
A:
4h24
